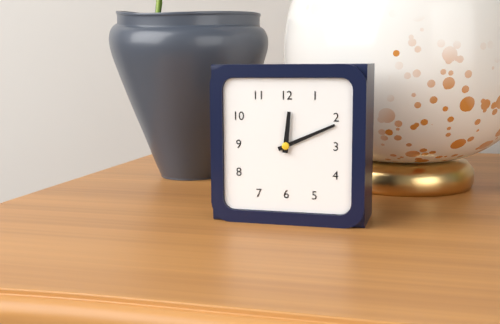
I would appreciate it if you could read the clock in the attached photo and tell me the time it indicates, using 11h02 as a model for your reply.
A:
12h11
